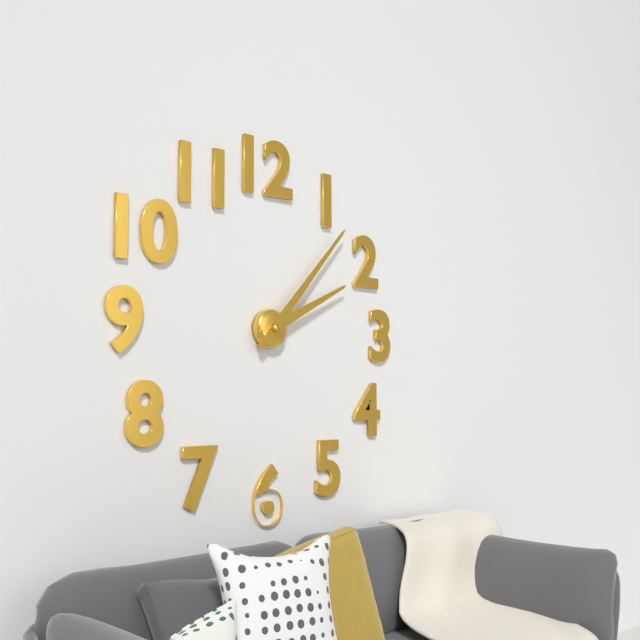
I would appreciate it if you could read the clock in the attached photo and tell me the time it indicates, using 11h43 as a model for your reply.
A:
2h07
